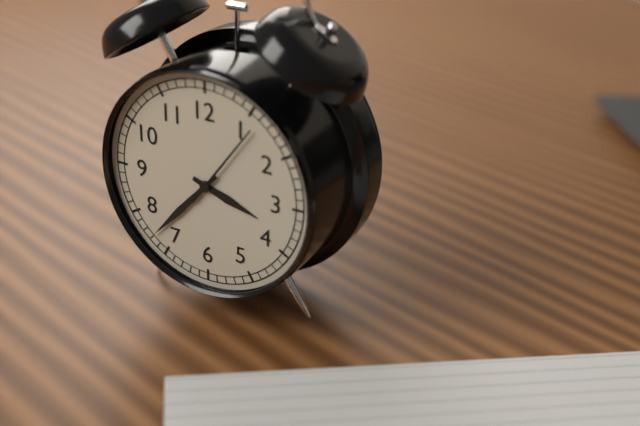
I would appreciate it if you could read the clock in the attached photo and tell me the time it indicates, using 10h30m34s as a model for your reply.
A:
3h37m06s
